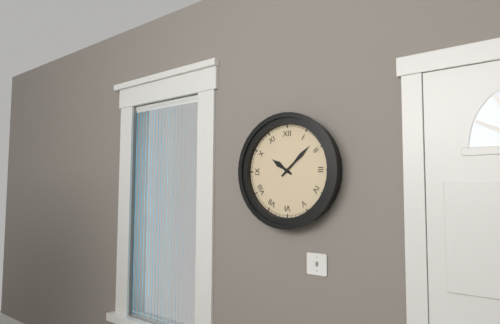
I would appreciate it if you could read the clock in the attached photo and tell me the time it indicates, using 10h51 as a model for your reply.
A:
10h08
